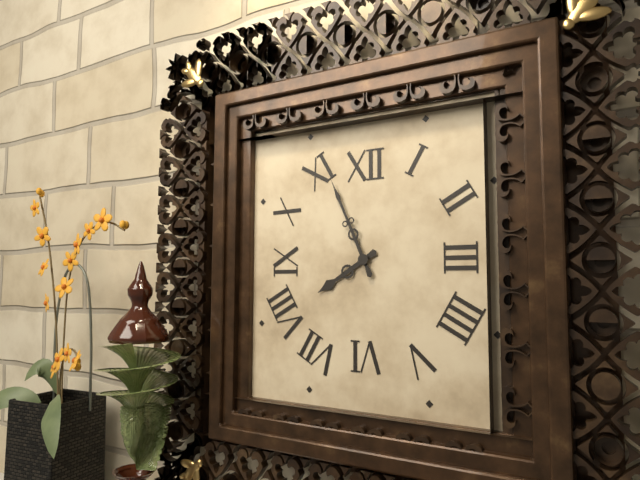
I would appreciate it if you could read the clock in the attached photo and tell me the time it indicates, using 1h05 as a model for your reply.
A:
7h56
